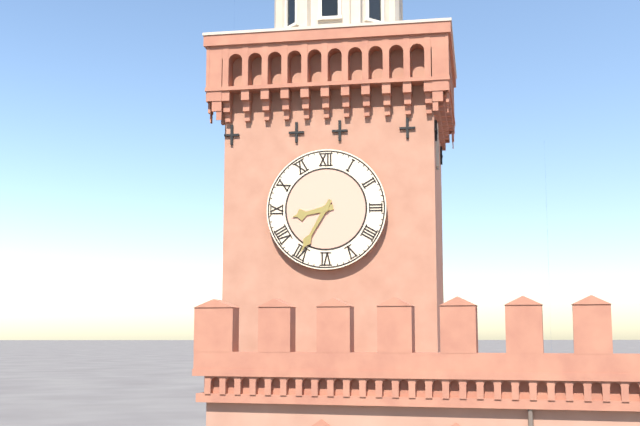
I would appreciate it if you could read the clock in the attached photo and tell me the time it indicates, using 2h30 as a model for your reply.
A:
8h35
